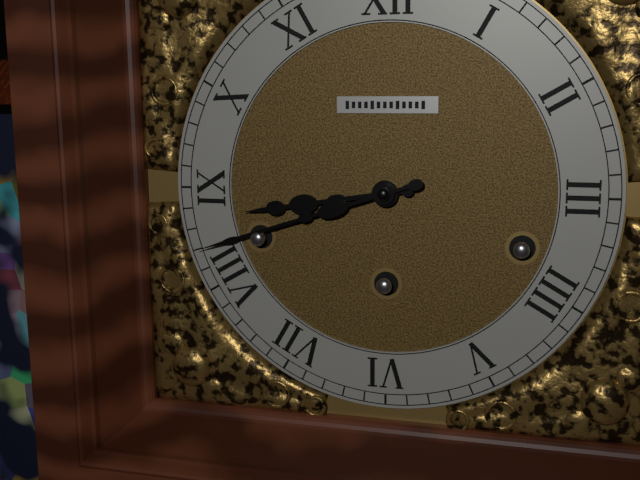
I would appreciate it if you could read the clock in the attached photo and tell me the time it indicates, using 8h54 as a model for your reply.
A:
8h42
